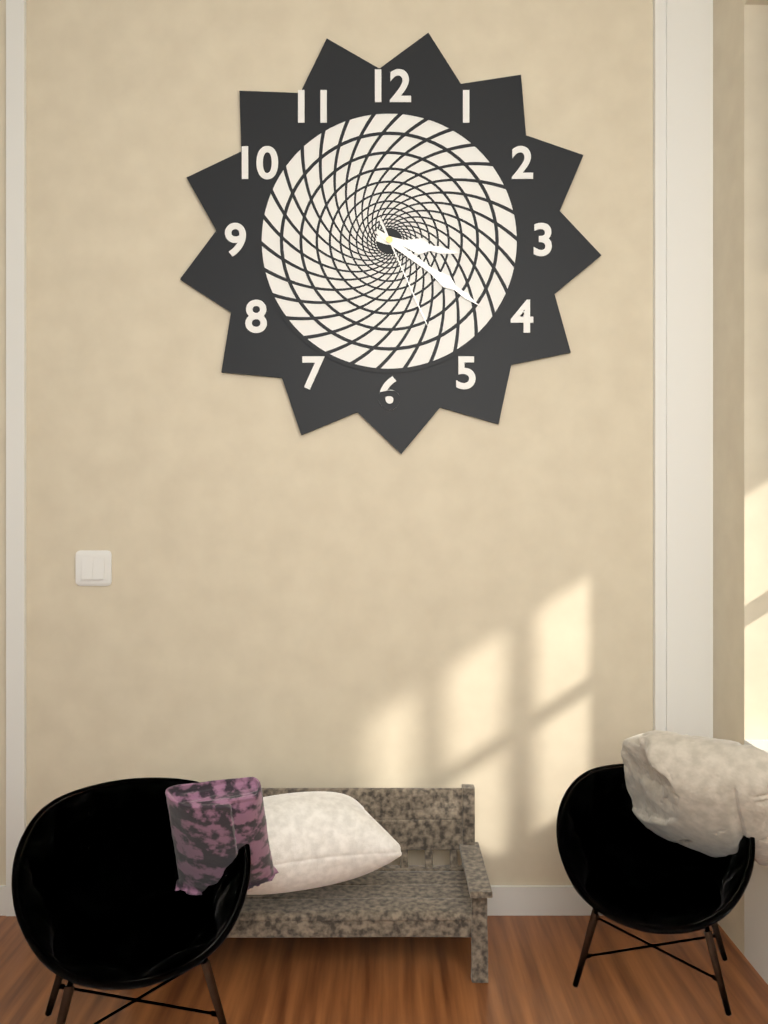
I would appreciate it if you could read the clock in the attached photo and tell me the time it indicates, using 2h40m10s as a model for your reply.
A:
3h21m26s
